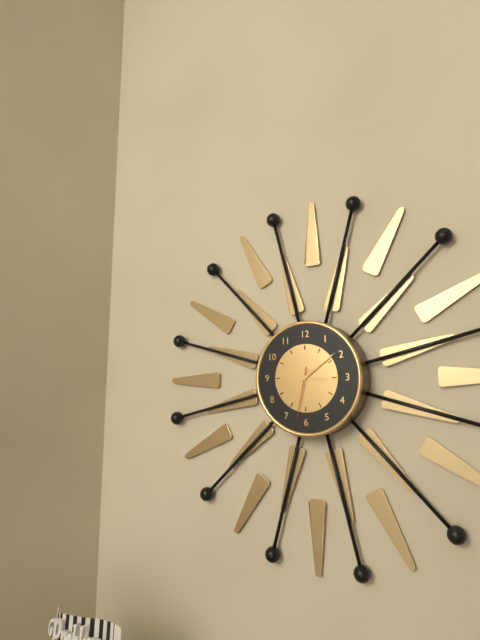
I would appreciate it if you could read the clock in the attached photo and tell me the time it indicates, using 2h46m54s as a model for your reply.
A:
3h09m32s
